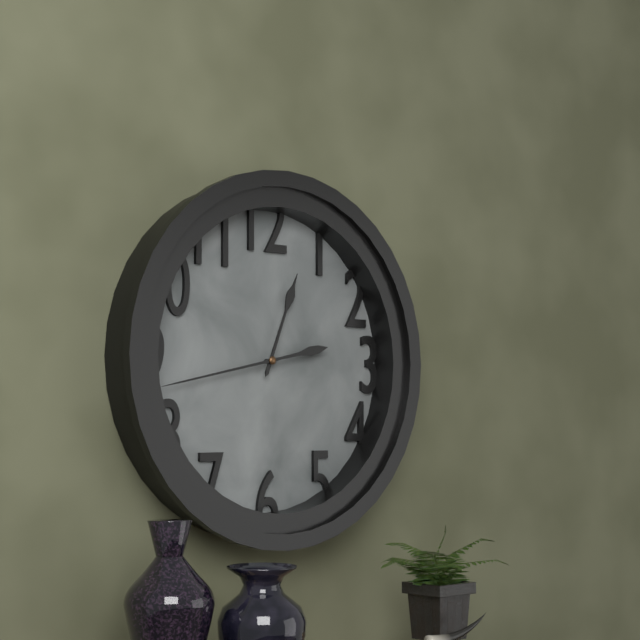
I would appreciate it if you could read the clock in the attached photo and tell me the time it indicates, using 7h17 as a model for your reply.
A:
12h43
